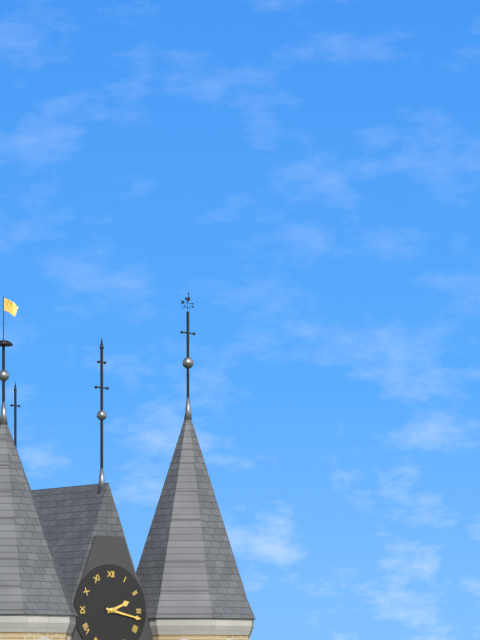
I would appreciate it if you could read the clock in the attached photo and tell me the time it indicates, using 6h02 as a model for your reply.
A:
2h17
